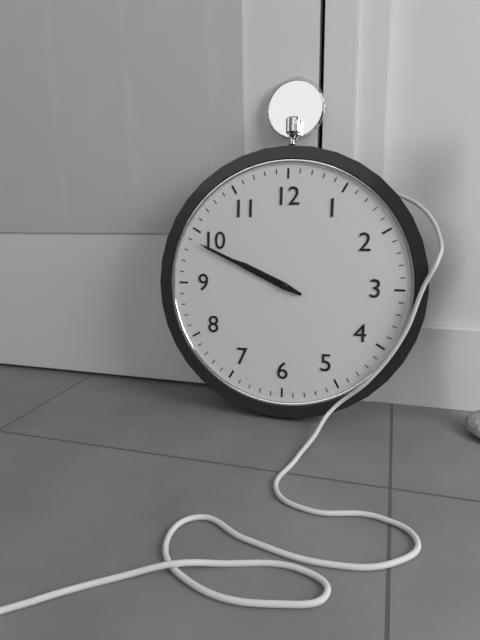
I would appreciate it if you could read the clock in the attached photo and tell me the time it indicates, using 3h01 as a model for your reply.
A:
9h49
